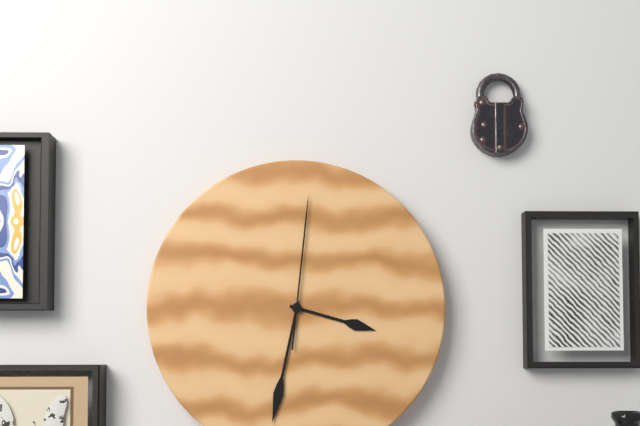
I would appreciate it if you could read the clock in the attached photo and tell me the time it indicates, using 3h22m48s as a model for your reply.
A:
3h32m01s
